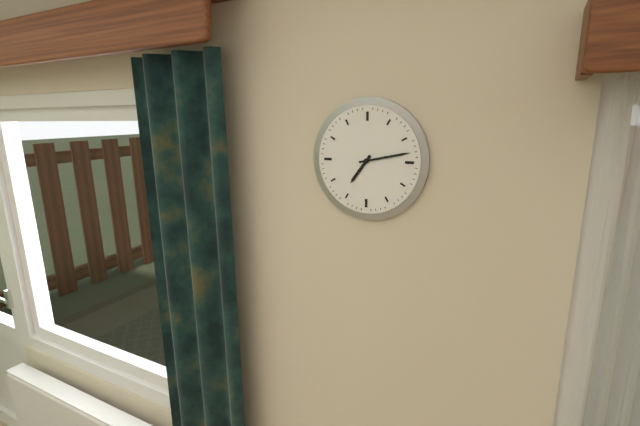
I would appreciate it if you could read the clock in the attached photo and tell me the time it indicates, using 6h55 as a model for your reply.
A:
7h13
